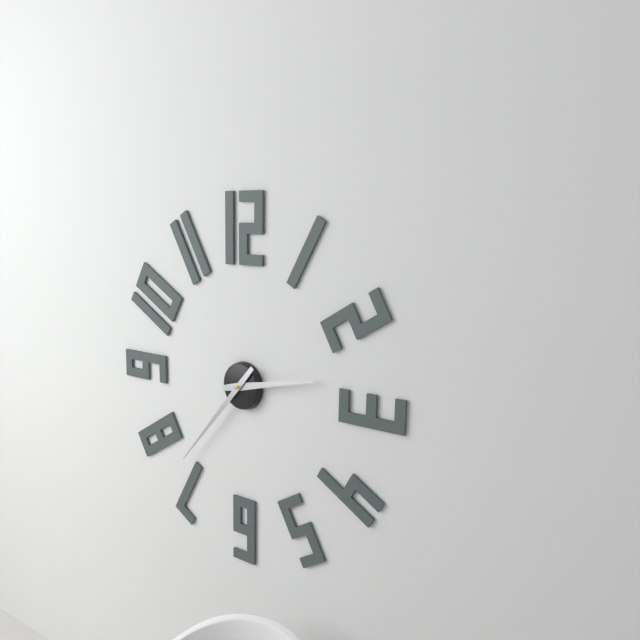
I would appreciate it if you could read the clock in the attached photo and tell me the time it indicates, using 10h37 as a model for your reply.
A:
2h37
